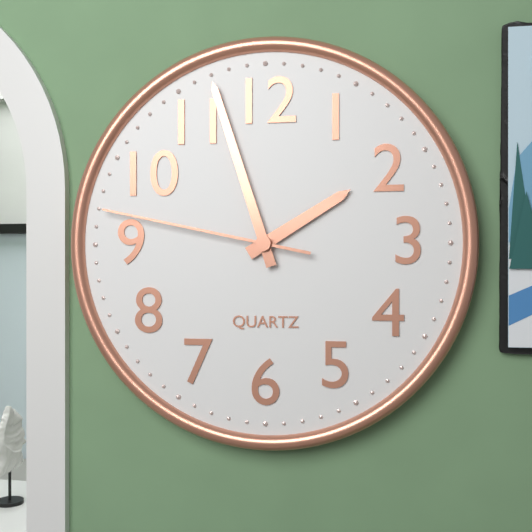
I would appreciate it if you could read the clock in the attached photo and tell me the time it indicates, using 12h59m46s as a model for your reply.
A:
1h57m47s
